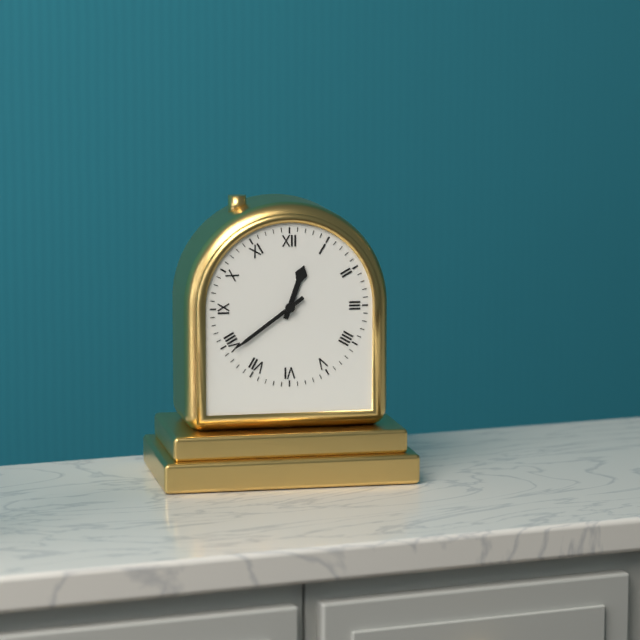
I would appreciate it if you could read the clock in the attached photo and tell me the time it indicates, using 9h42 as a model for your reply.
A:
12h39
